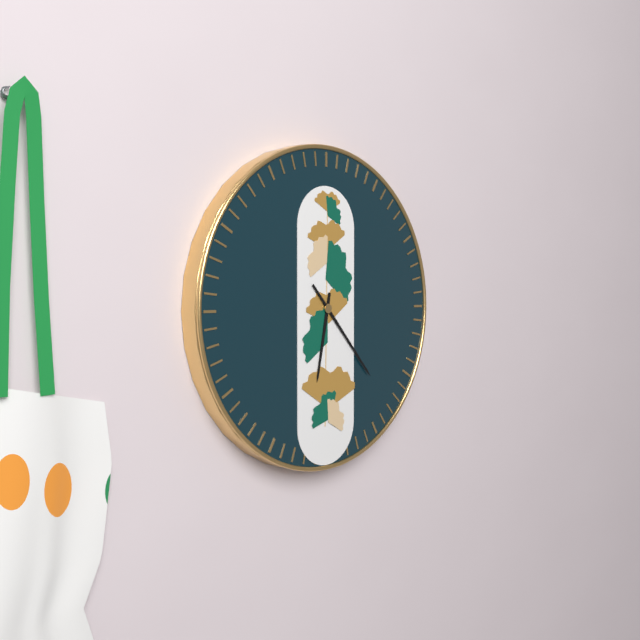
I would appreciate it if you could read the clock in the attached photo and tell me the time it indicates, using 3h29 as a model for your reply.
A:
6h23
